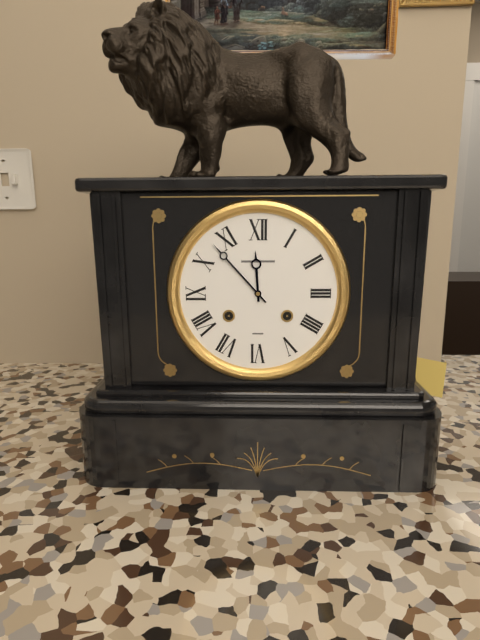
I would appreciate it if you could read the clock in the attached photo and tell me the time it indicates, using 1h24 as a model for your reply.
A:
11h53
